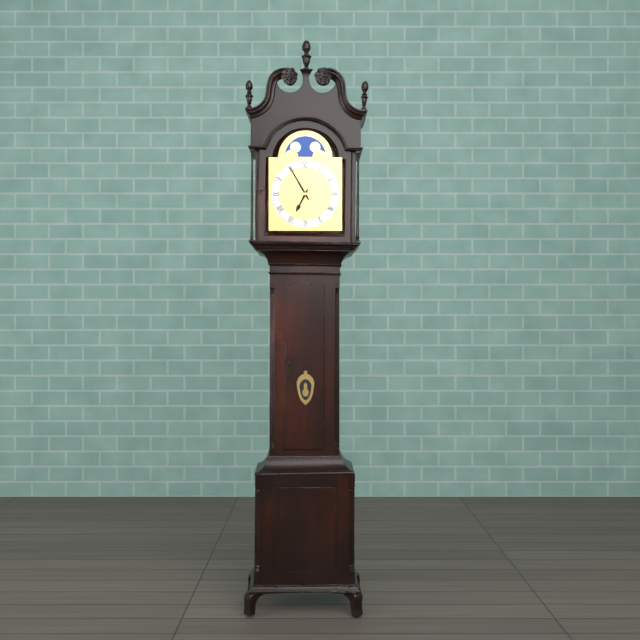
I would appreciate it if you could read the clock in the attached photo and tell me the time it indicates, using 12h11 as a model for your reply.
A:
6h55
